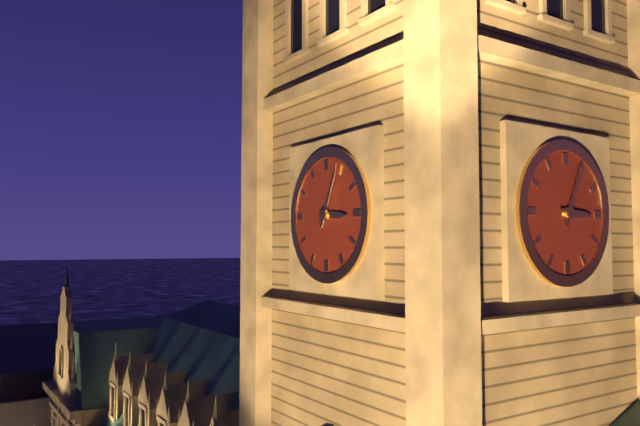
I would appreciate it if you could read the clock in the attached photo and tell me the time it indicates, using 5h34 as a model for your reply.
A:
3h04
